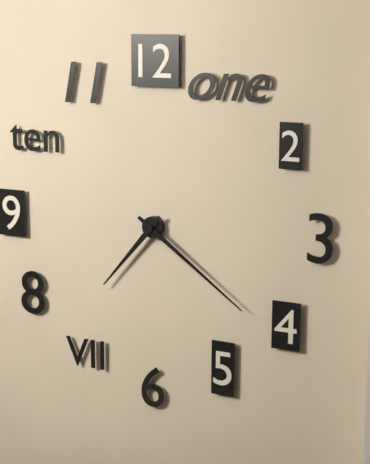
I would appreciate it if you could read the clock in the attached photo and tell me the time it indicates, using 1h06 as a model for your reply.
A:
7h21
